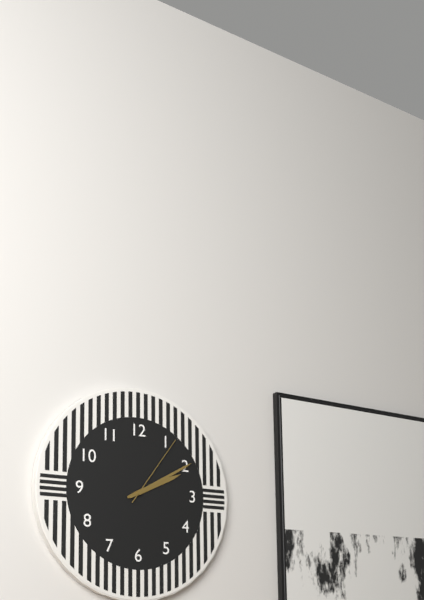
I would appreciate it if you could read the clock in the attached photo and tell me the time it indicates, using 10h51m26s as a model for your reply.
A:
2h10m06s
